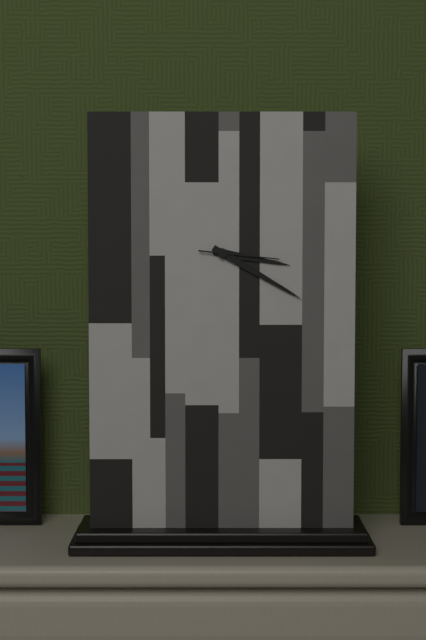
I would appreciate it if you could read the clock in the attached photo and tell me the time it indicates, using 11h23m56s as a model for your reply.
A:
3h20m16s
